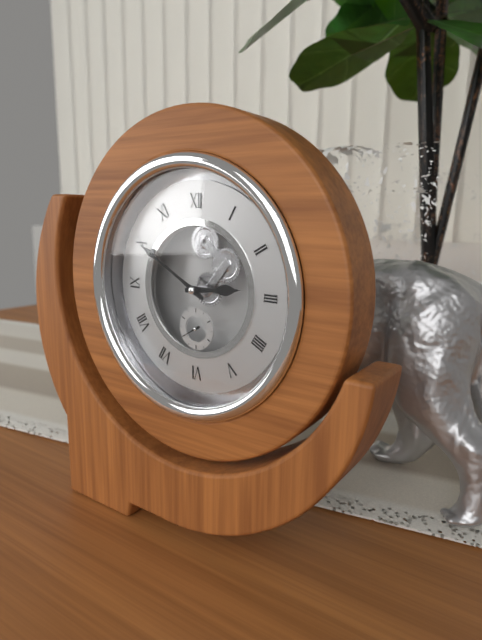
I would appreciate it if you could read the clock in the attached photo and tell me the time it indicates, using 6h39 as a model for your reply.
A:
2h50
